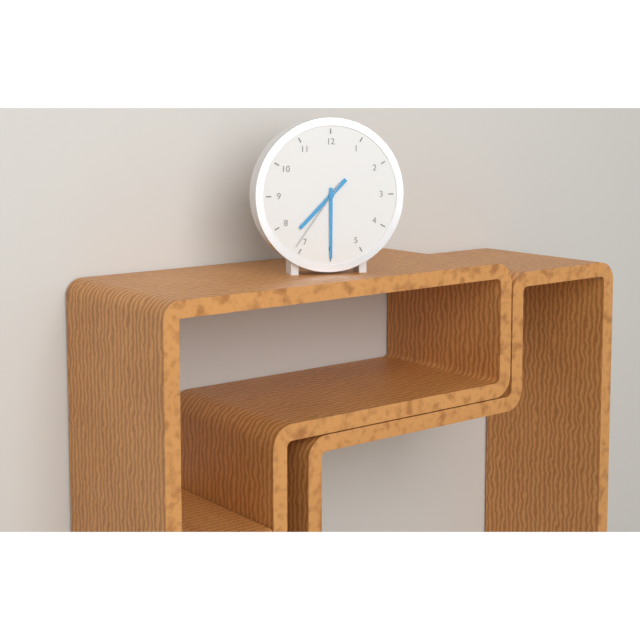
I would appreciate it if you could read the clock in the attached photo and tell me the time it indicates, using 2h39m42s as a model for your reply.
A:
7h30m36s
